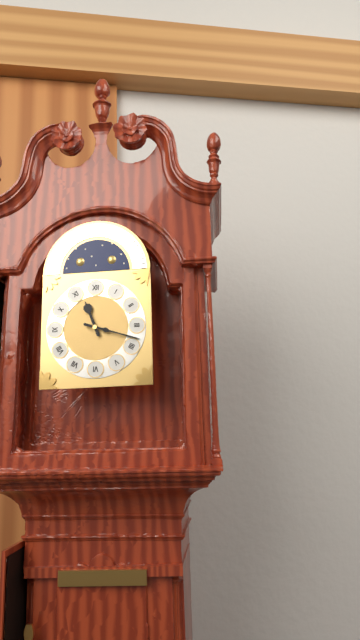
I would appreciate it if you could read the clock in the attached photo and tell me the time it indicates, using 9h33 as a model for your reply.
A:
11h18
